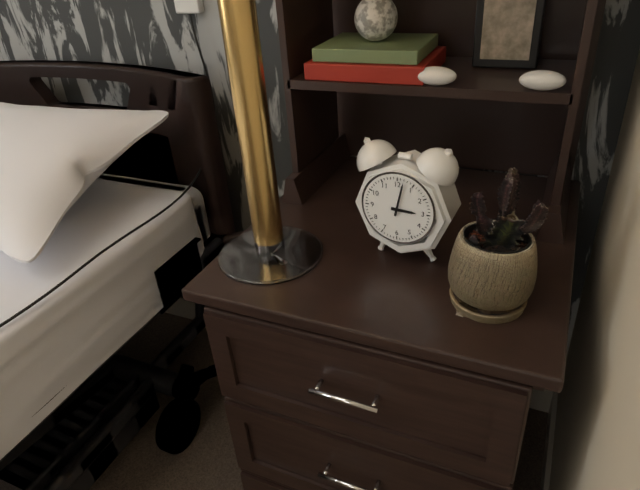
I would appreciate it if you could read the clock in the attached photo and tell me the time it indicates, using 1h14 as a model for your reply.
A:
3h02
